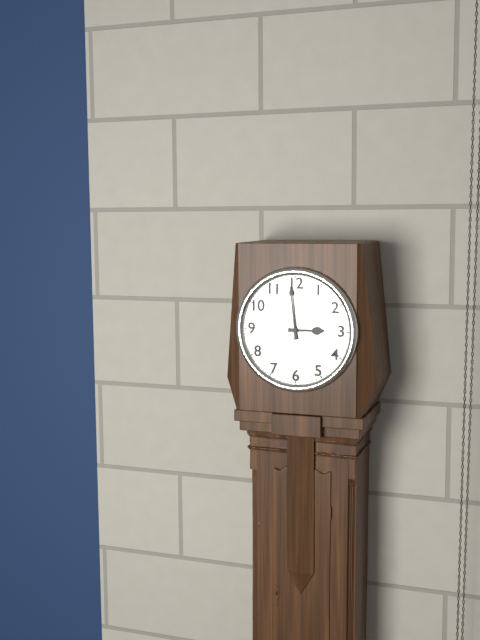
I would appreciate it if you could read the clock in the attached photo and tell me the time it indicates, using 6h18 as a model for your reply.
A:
2h59
